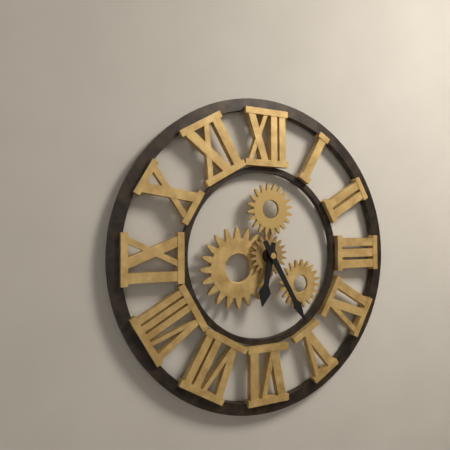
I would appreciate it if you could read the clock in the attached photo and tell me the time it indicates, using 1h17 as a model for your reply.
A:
6h25
